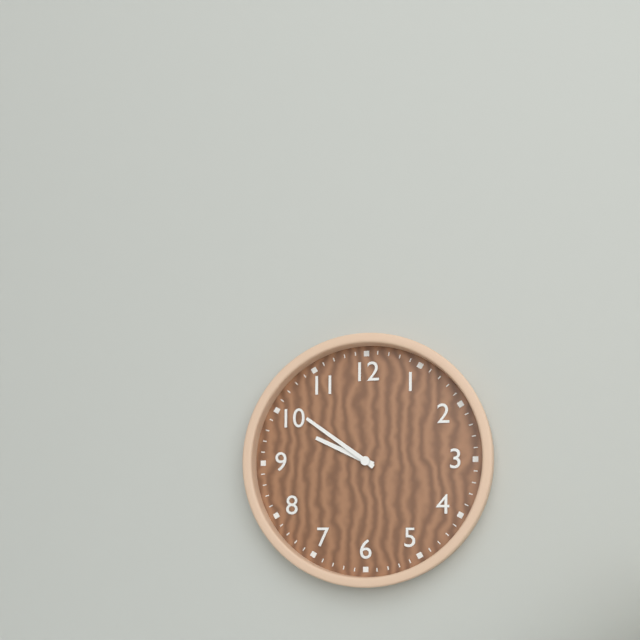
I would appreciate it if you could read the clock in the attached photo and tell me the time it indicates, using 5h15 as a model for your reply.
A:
9h51
